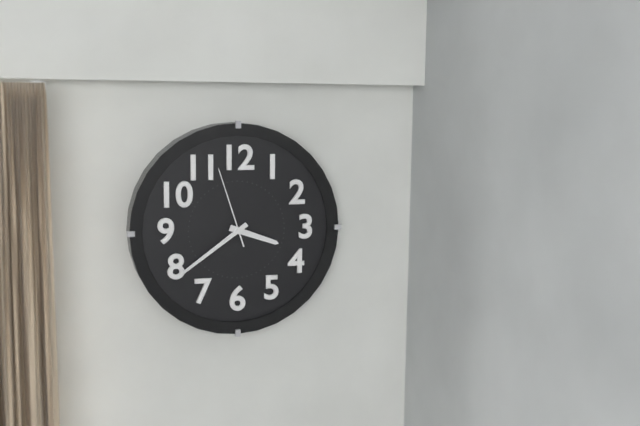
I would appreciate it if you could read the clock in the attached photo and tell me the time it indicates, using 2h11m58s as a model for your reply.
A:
3h39m57s
